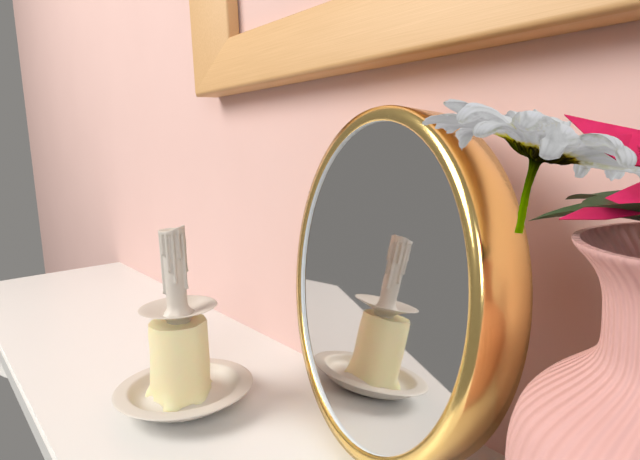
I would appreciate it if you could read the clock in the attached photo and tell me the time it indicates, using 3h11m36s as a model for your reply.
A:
12h26m36s
